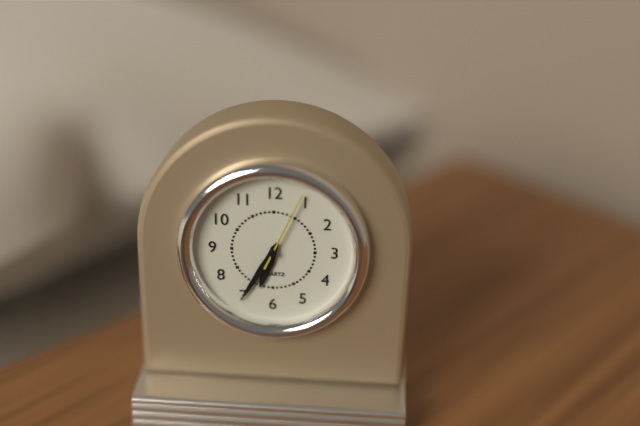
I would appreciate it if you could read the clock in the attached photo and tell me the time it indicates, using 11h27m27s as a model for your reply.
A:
6h35m04s
